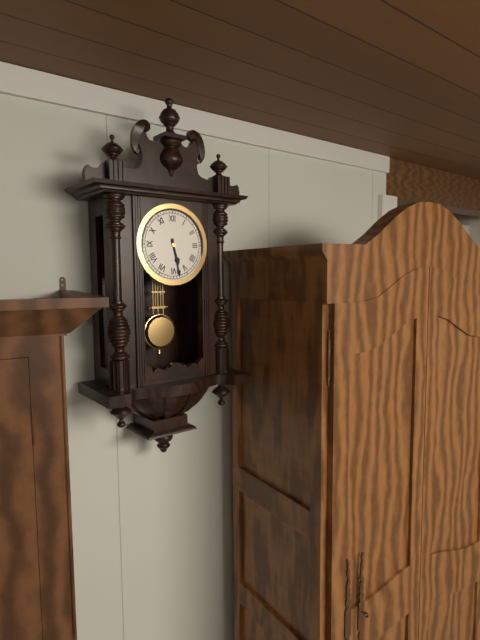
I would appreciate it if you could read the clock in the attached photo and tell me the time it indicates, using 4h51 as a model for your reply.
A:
5h28
